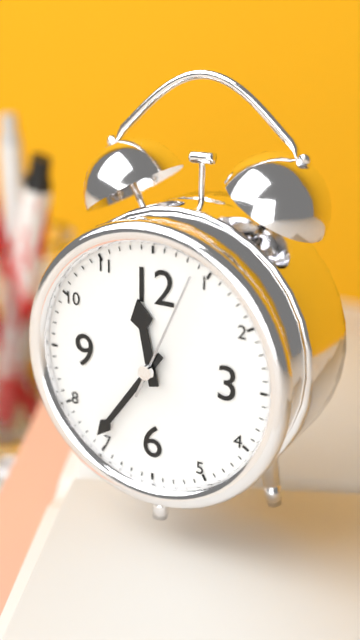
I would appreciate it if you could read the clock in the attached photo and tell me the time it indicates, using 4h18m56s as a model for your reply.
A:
11h36m04s
